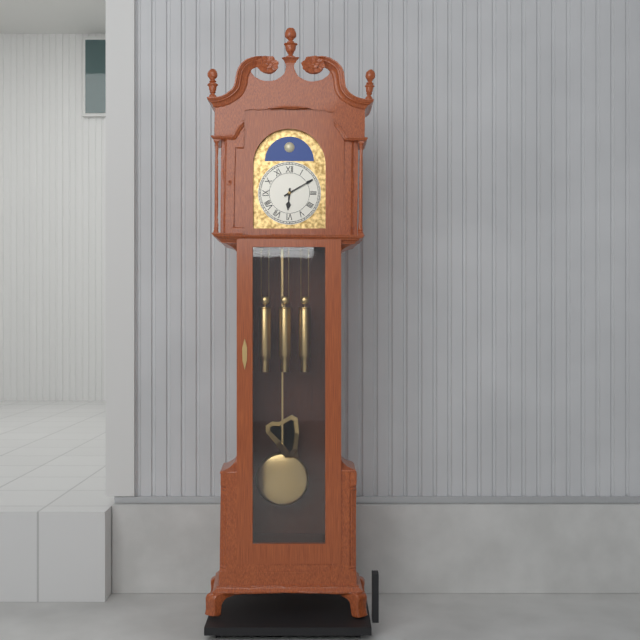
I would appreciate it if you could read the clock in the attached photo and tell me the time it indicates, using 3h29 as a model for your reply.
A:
6h10
